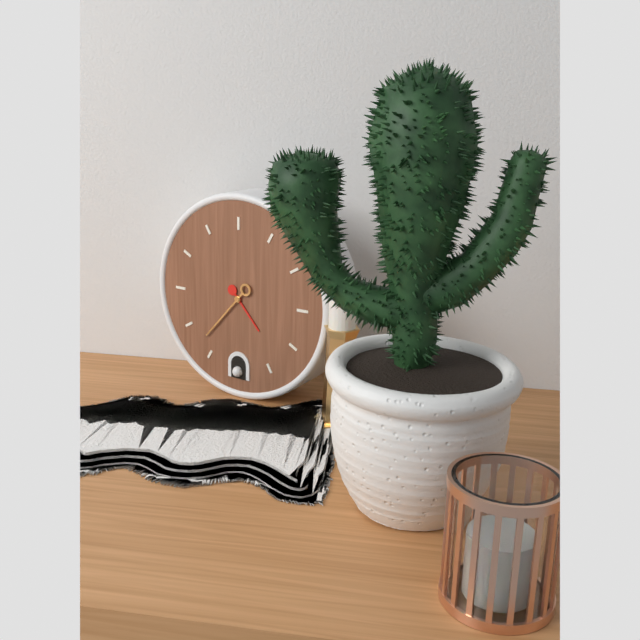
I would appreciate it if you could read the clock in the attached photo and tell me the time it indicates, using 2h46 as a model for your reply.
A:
4h37
